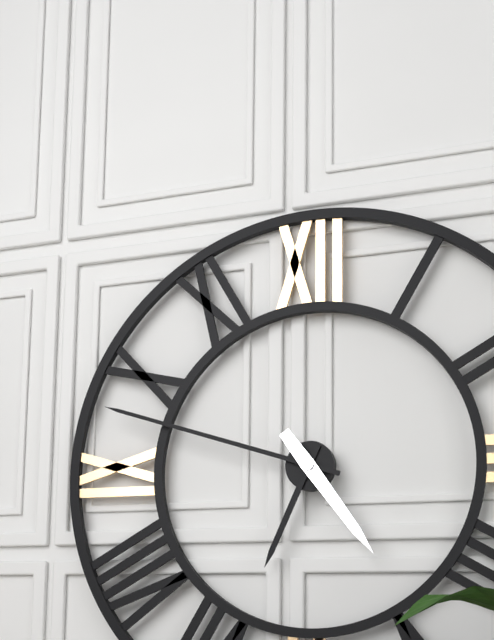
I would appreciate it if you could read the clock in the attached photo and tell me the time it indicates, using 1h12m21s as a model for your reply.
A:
6h48m24s
